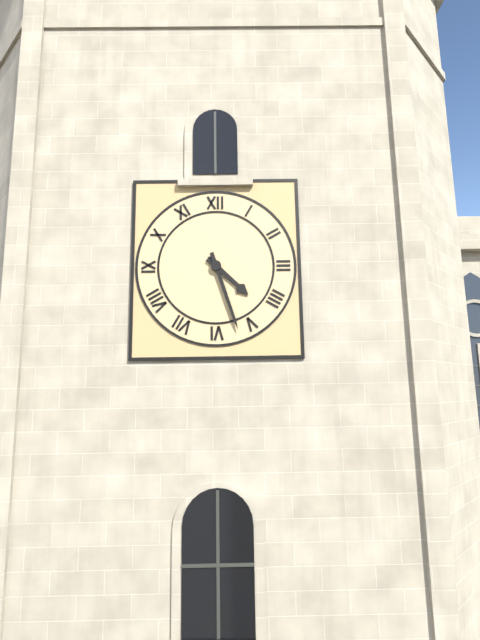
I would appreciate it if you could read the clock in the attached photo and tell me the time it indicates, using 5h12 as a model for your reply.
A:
4h27
